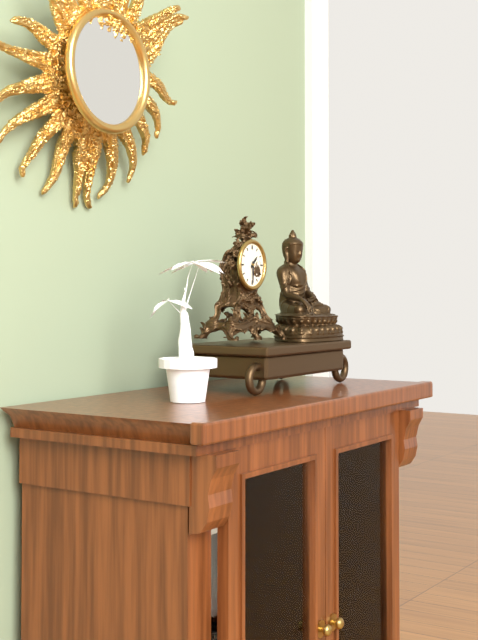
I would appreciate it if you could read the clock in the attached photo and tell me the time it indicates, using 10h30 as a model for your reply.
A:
1h30
